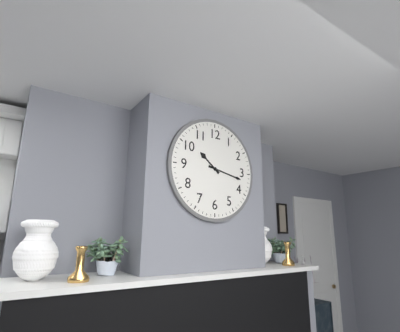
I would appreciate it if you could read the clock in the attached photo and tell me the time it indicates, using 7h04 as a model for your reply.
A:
10h17
